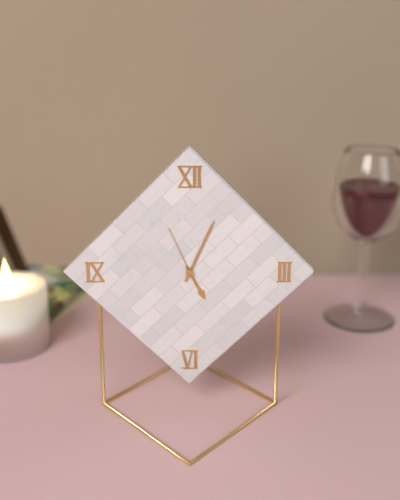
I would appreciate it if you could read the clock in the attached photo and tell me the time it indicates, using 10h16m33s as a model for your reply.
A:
5h04m56s
